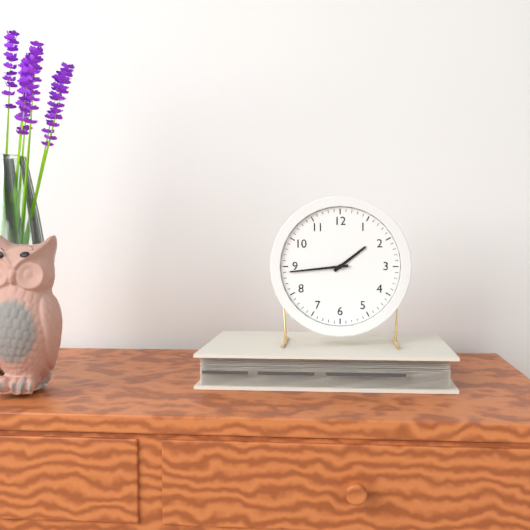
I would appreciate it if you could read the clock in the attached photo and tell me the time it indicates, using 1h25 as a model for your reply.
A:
1h44
